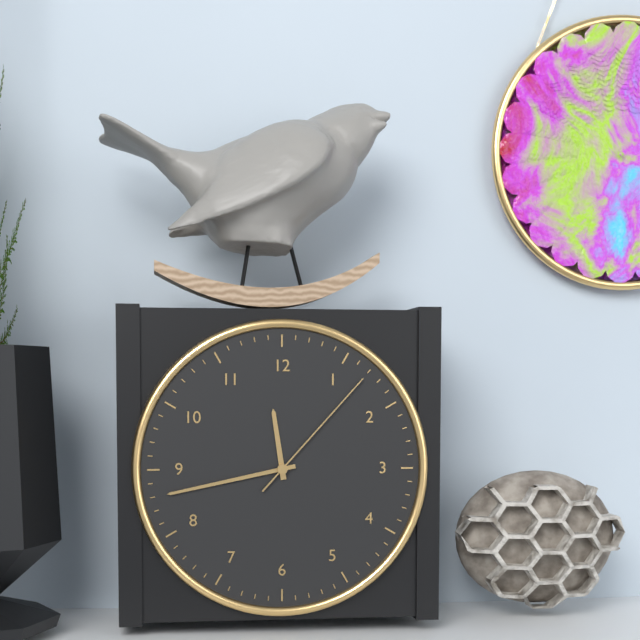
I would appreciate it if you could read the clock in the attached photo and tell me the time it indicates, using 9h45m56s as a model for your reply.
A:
11h43m07s
